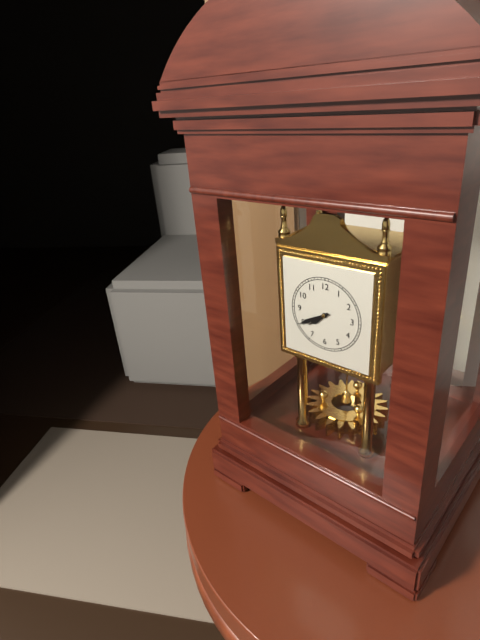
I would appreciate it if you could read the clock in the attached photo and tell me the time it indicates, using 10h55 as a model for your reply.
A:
7h40
